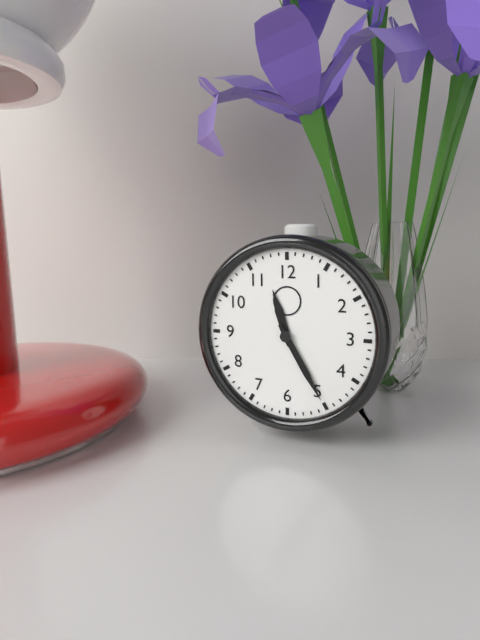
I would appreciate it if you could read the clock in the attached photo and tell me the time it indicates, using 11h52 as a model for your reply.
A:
11h25
